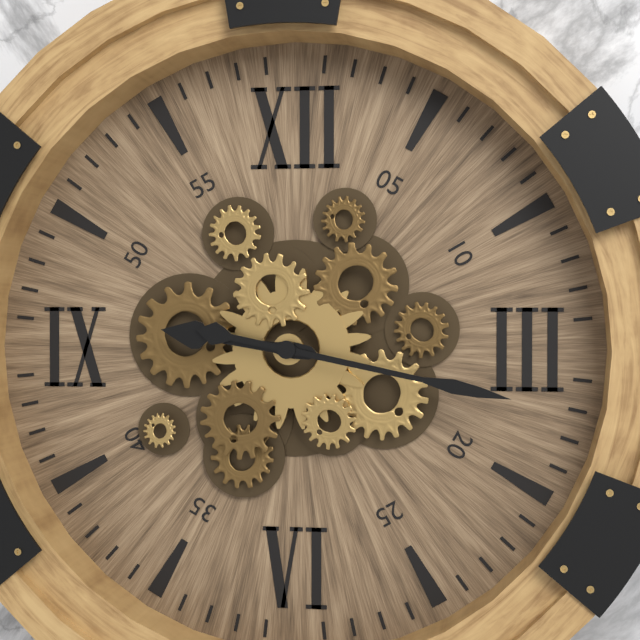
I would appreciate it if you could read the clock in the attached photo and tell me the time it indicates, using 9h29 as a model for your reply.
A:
9h17
